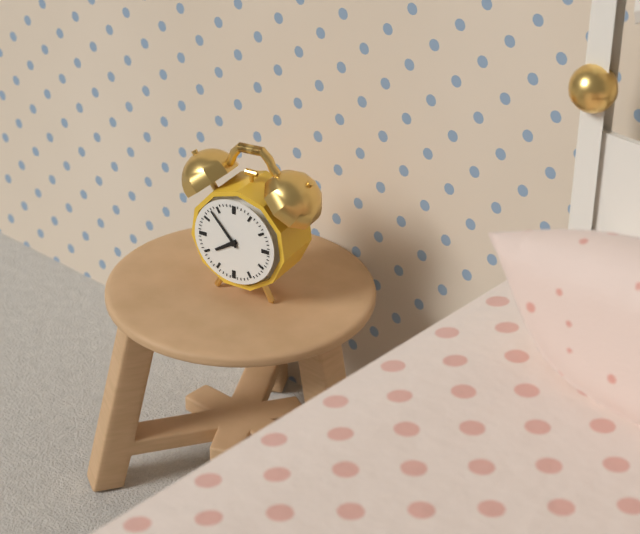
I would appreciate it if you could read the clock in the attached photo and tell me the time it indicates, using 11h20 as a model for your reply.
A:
7h53
